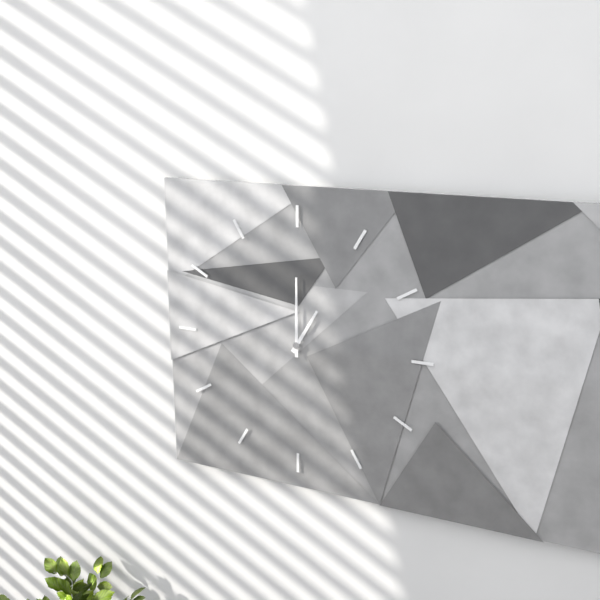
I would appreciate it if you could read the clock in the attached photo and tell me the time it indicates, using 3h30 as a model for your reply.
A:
1h00
